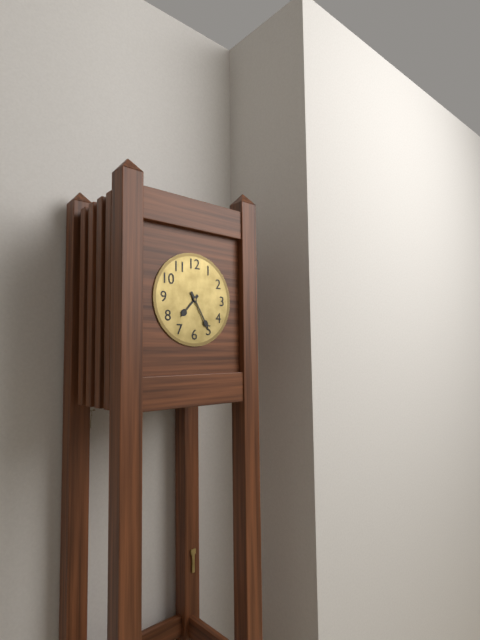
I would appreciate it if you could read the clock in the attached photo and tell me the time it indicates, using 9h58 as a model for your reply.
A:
7h25
